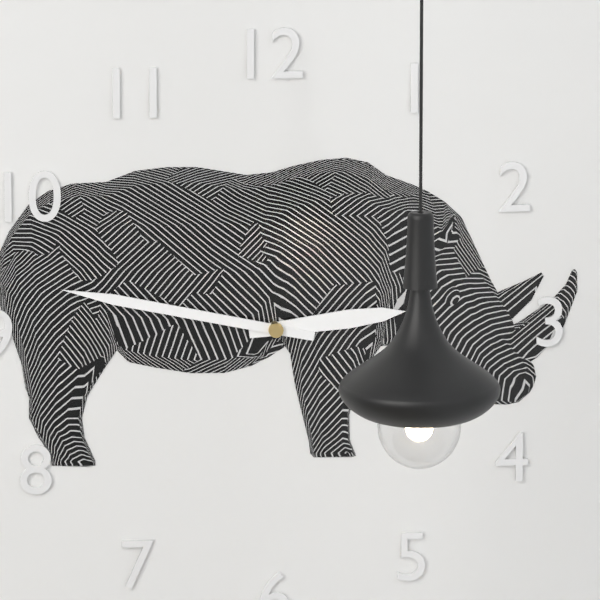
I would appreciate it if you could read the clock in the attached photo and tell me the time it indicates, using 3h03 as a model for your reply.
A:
2h47
